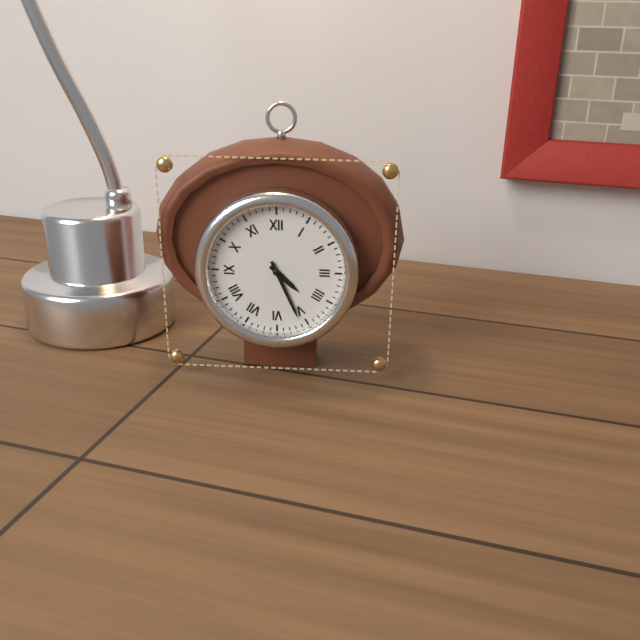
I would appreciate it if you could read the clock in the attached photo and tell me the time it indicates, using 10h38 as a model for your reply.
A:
4h26
